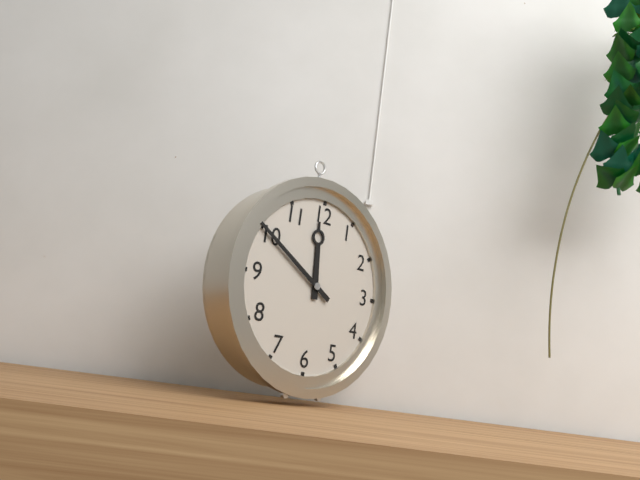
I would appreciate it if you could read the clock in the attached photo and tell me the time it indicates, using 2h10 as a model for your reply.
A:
11h50
